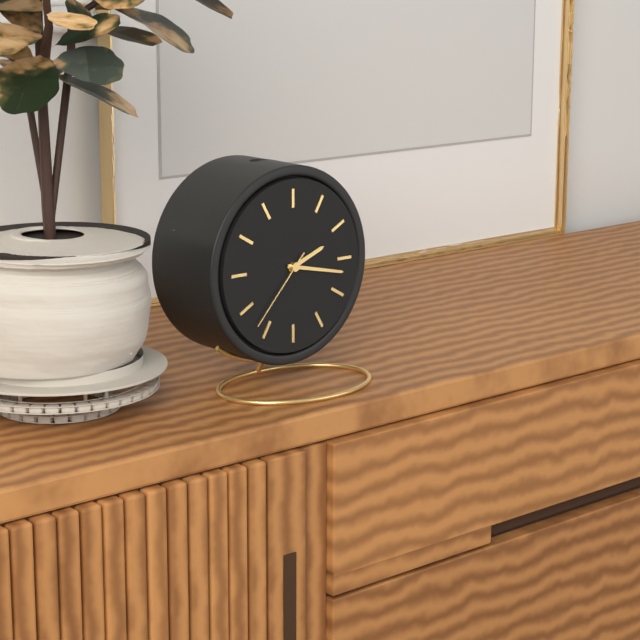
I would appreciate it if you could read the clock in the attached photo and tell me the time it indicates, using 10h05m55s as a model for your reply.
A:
2h17m37s
